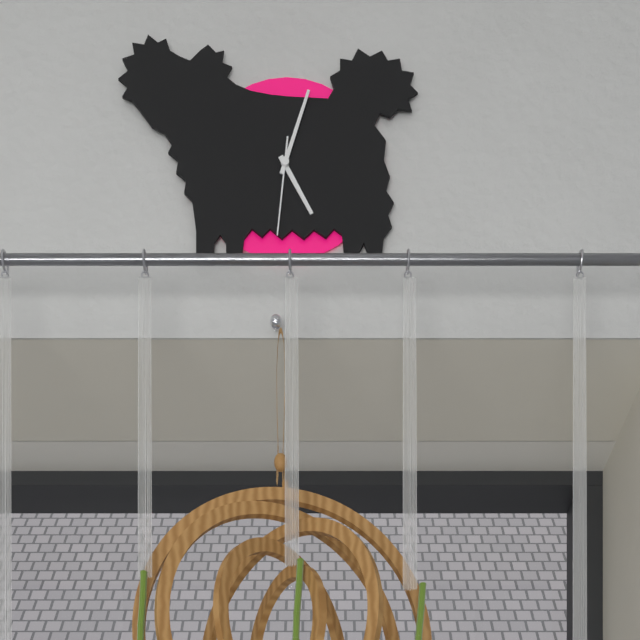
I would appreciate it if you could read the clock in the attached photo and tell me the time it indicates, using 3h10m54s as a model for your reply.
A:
5h03m31s
